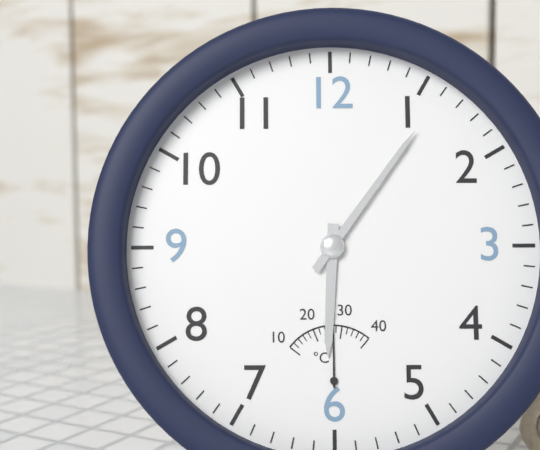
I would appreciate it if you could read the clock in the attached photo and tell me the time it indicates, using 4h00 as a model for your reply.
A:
6h06
